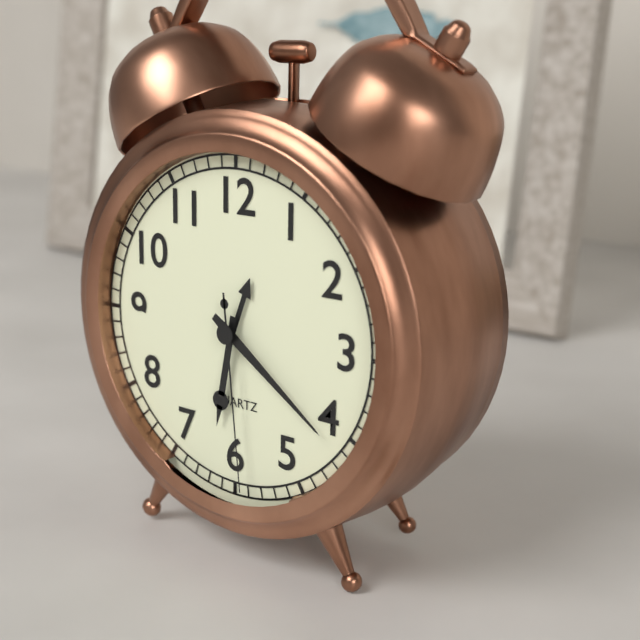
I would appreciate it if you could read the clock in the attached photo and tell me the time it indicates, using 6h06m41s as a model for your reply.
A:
6h21m29s
